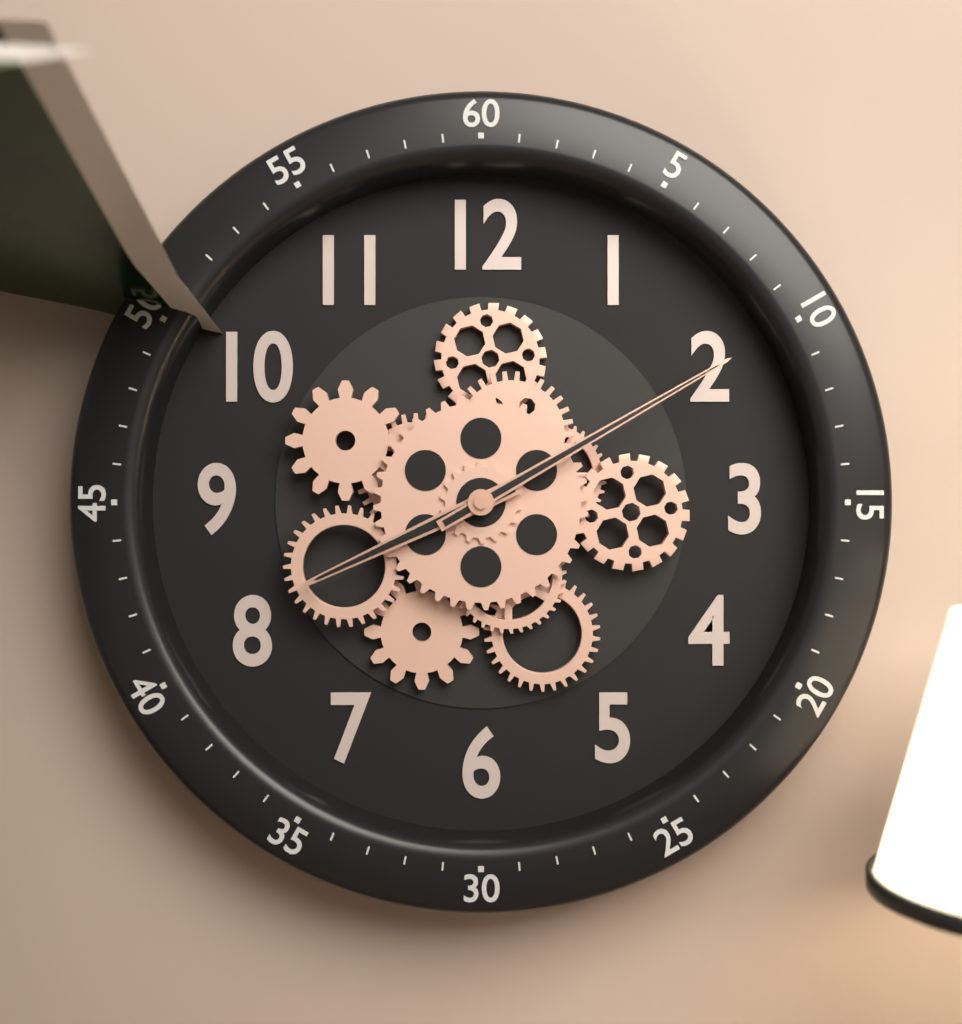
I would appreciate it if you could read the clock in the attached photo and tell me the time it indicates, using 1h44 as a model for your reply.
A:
8h10
